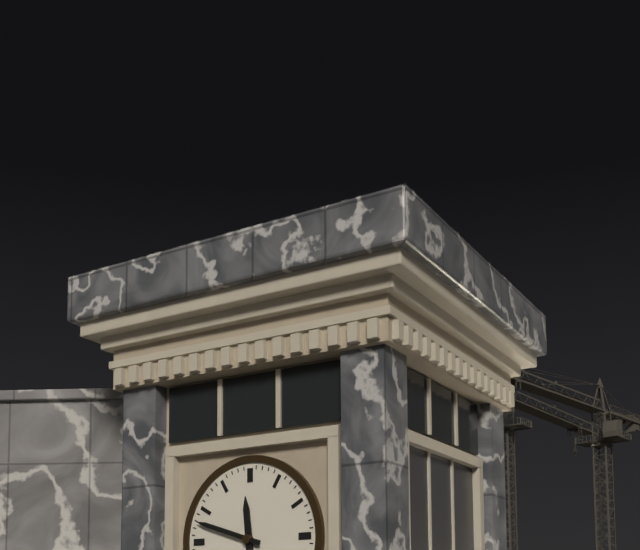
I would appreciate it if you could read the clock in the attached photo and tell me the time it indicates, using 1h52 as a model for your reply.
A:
11h48
